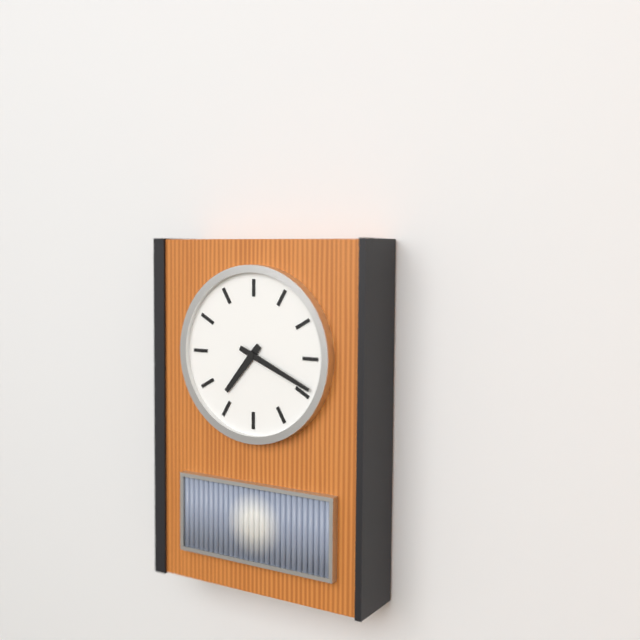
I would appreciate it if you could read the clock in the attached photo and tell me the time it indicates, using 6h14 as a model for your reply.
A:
7h19
